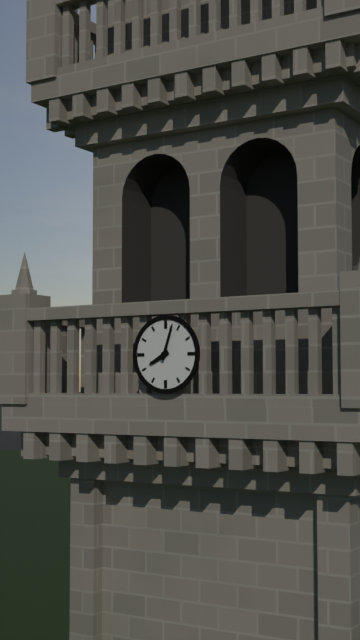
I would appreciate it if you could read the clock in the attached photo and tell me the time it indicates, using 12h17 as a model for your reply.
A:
8h03
